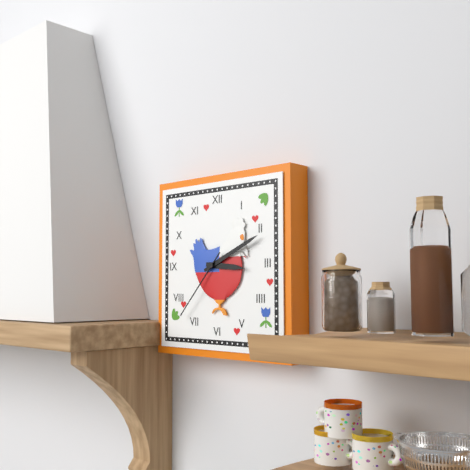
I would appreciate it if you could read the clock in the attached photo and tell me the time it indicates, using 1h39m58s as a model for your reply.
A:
3h11m37s
